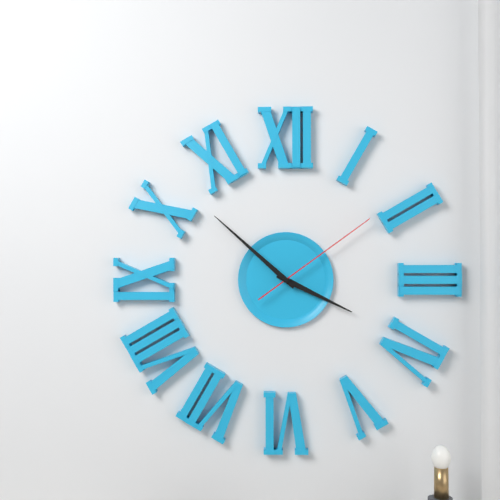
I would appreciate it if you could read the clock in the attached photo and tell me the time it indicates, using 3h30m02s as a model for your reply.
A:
3h52m09s
